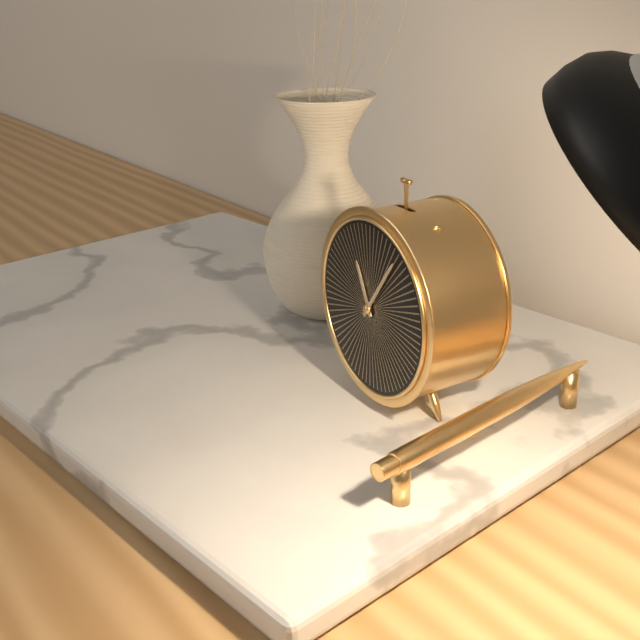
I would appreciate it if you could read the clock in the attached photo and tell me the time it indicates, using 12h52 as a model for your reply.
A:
11h06
